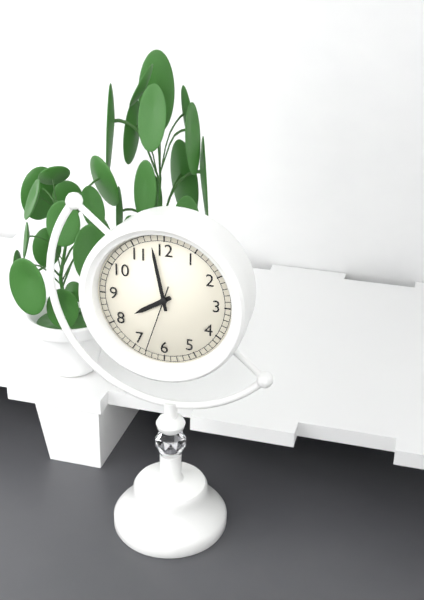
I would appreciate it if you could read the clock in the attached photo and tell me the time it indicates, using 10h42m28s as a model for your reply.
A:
7h58m33s
